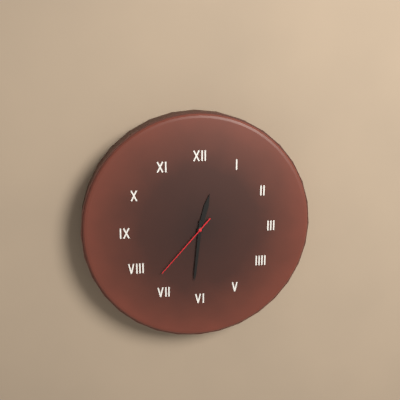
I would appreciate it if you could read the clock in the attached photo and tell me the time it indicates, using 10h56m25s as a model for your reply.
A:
12h31m37s
